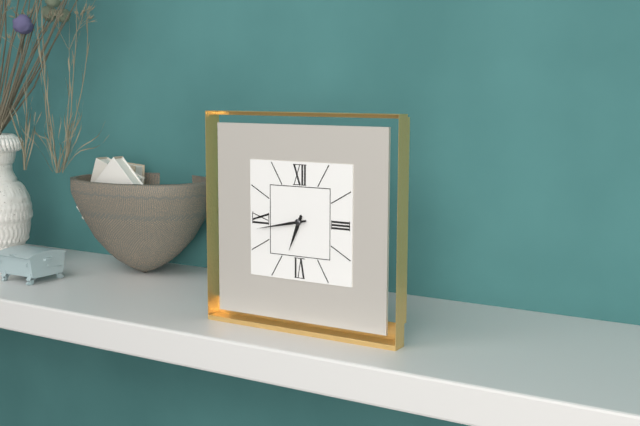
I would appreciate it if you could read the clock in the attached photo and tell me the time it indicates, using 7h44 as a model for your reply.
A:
6h43
